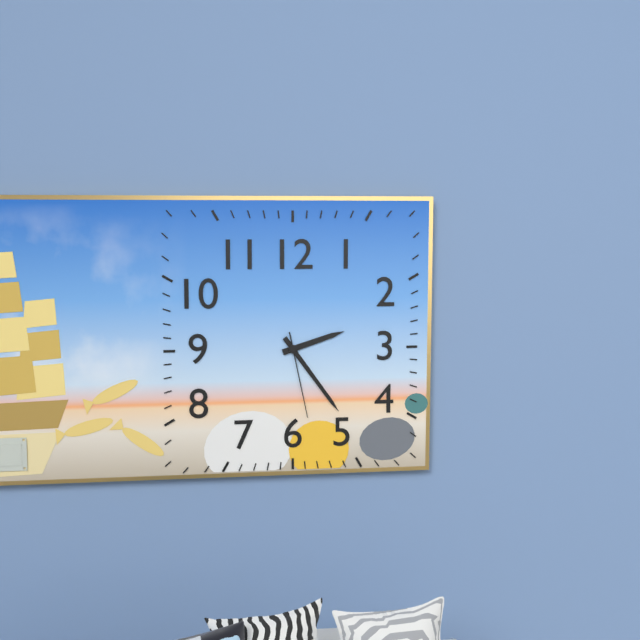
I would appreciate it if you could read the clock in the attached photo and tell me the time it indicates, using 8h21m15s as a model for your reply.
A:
2h24m28s
